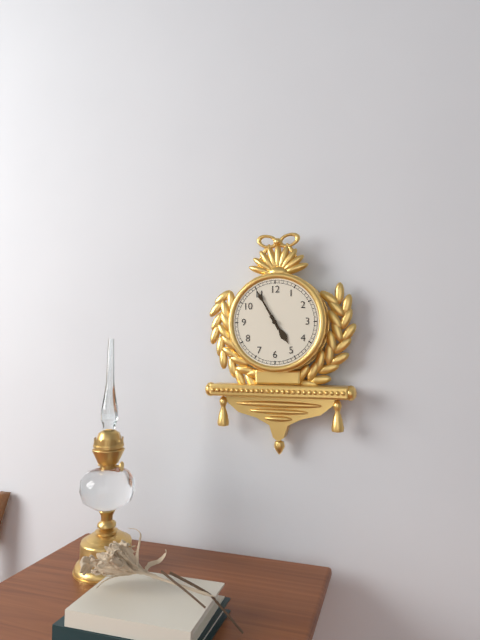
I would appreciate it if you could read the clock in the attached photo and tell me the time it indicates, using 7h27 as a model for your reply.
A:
4h55
